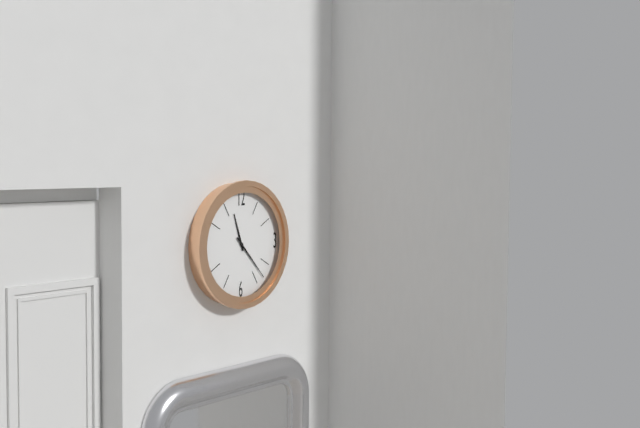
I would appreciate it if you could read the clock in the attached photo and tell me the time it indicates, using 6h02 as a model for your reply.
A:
11h23
